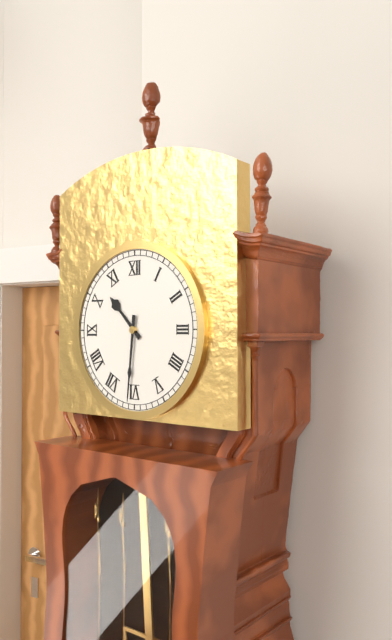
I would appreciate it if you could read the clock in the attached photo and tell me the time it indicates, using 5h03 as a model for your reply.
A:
10h31
